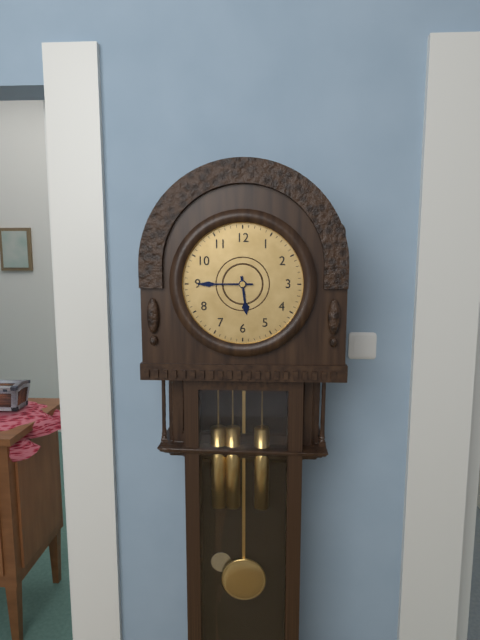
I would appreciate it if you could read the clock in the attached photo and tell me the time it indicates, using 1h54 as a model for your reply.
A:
5h45
